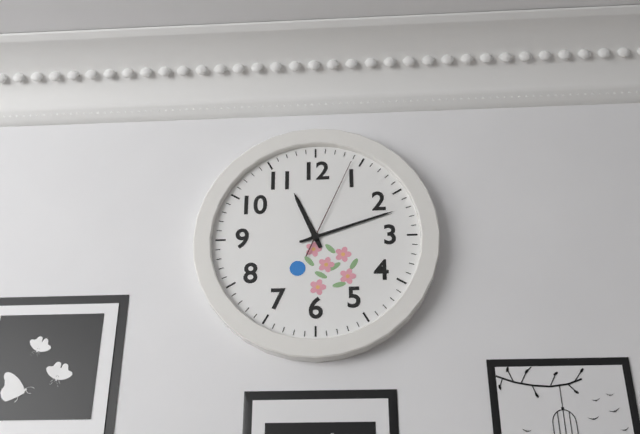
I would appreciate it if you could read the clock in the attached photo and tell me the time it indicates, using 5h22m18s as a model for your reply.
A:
11h12m04s
